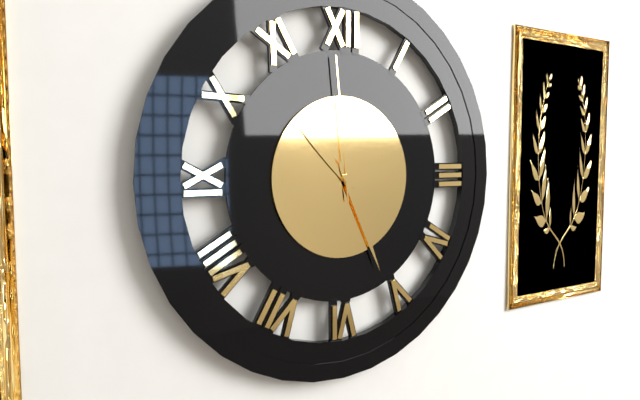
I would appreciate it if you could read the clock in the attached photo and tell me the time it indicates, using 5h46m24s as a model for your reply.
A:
10h26m59s
